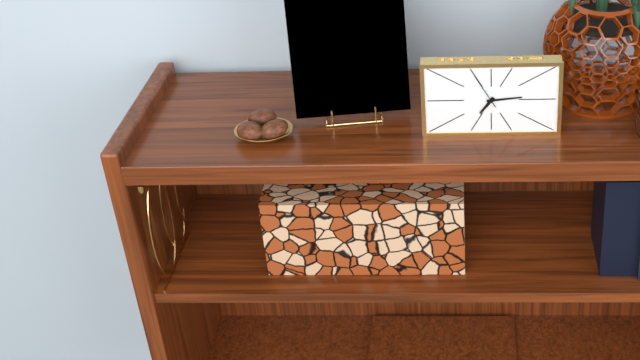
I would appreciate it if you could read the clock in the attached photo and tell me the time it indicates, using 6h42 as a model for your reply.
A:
7h14
